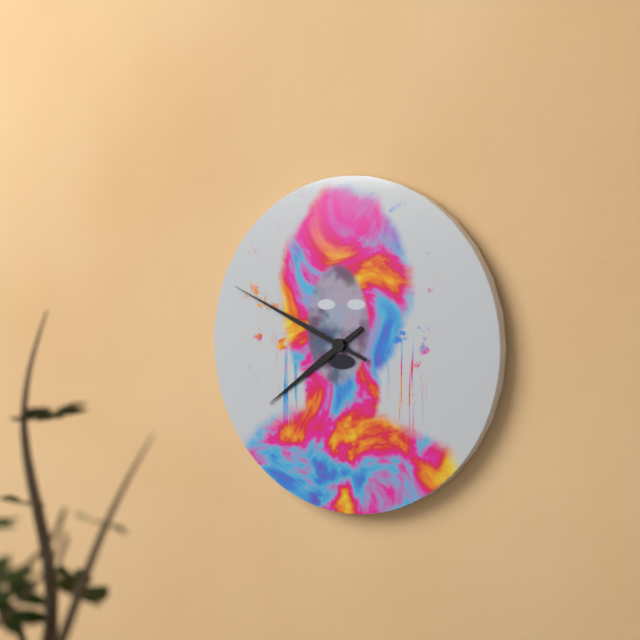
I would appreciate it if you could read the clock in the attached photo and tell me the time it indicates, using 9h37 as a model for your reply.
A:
7h49
